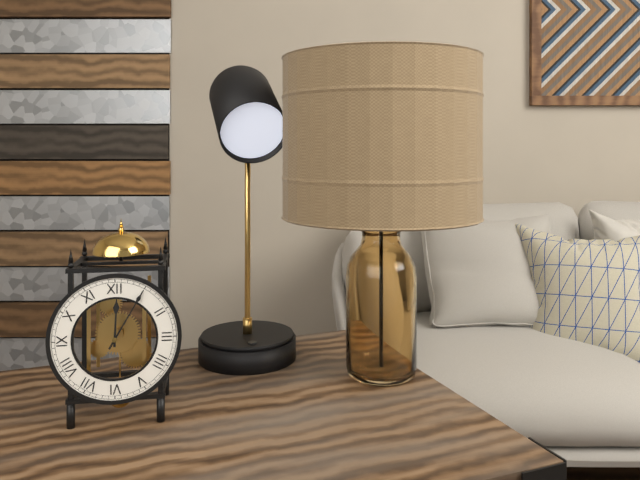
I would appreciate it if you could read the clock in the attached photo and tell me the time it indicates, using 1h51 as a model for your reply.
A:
12h05
